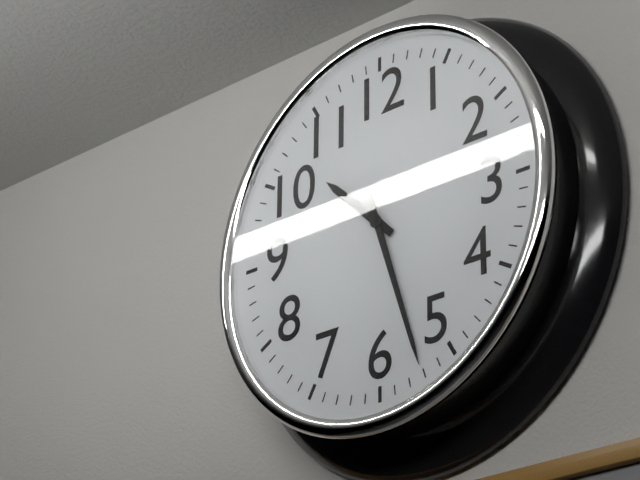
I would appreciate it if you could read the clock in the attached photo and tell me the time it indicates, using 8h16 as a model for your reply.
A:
10h27
